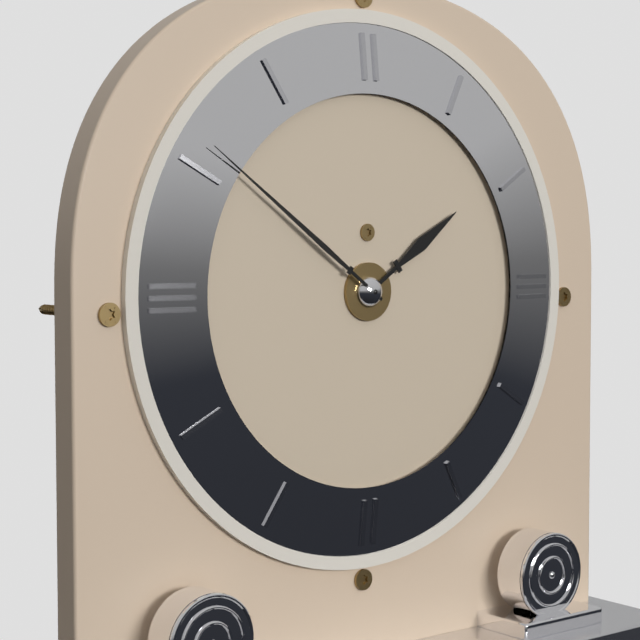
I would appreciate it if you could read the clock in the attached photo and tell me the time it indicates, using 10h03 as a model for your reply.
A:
1h51
